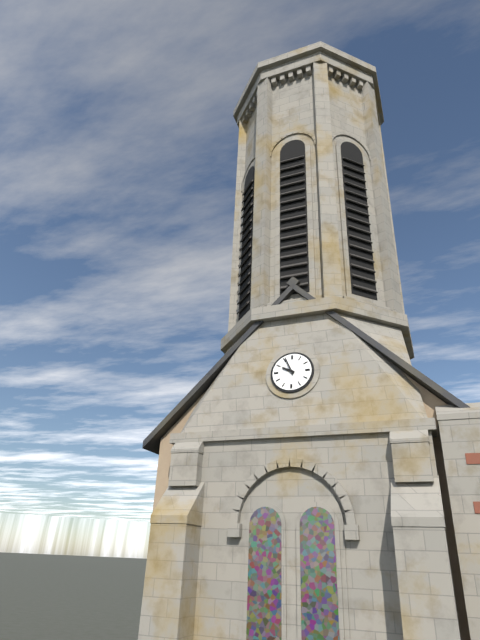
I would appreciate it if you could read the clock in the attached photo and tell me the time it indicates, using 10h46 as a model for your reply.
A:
9h56
